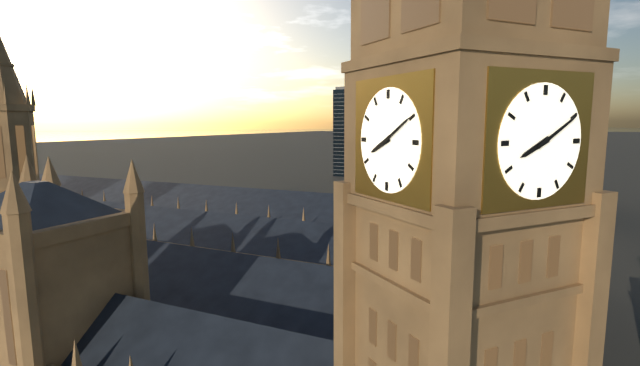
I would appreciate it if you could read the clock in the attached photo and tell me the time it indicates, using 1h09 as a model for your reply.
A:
8h10
